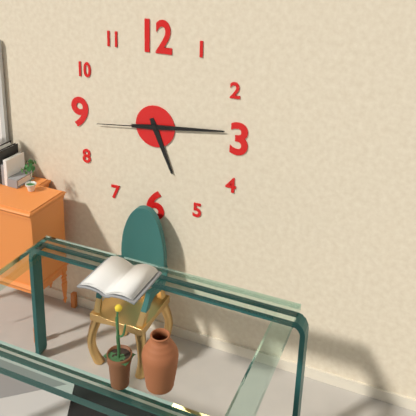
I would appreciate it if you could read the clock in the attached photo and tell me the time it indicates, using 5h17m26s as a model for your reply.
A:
5h14m44s
